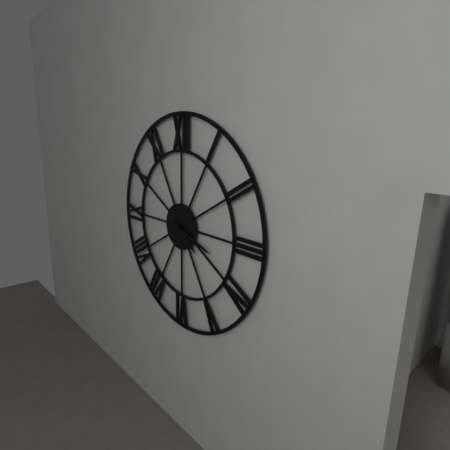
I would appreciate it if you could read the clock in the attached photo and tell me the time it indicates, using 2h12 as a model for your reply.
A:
4h18
